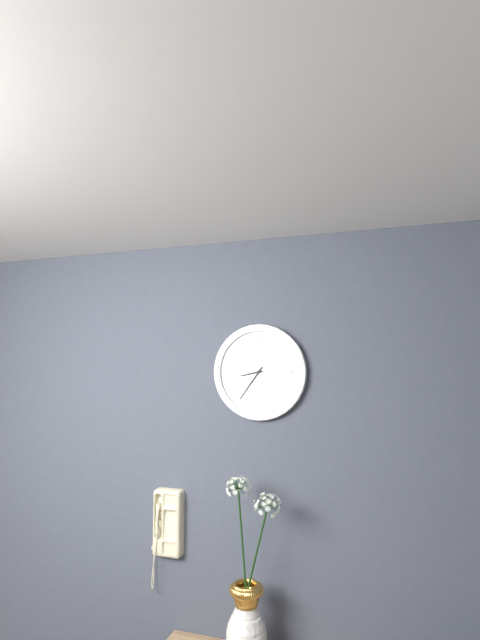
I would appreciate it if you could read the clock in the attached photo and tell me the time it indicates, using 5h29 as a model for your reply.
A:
8h36
